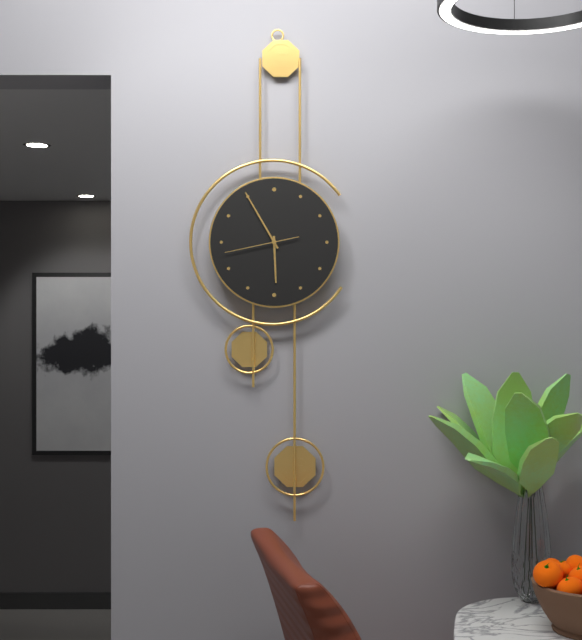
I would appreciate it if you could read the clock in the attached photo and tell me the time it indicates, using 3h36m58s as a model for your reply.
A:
5h55m43s
